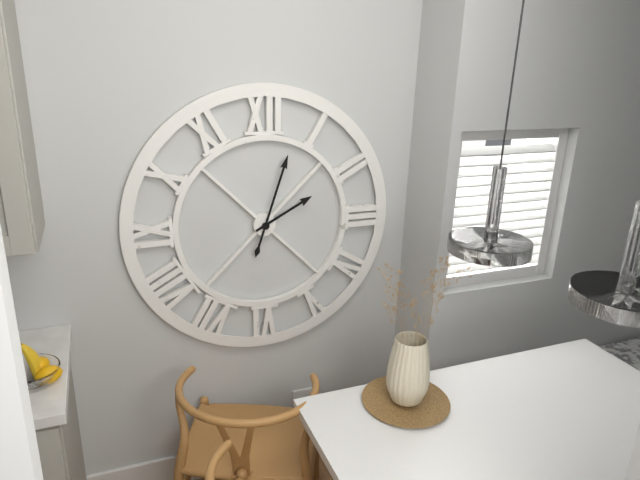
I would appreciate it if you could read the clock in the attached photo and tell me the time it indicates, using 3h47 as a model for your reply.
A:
2h03
